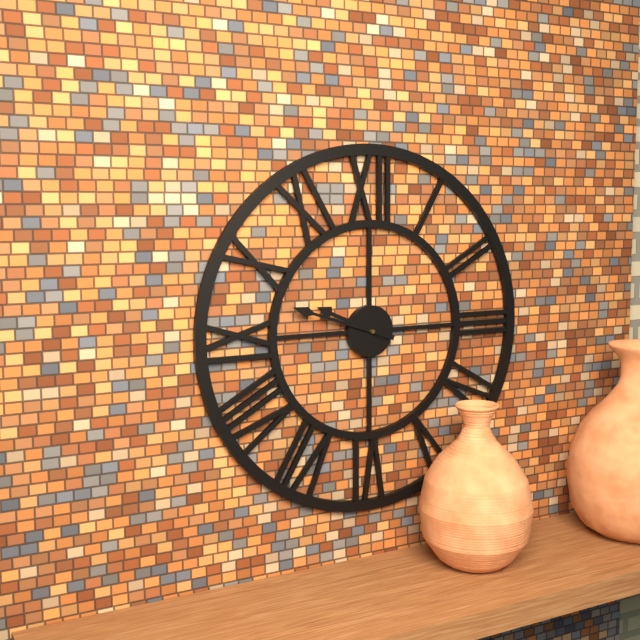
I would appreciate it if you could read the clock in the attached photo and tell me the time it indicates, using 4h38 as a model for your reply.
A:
9h48
